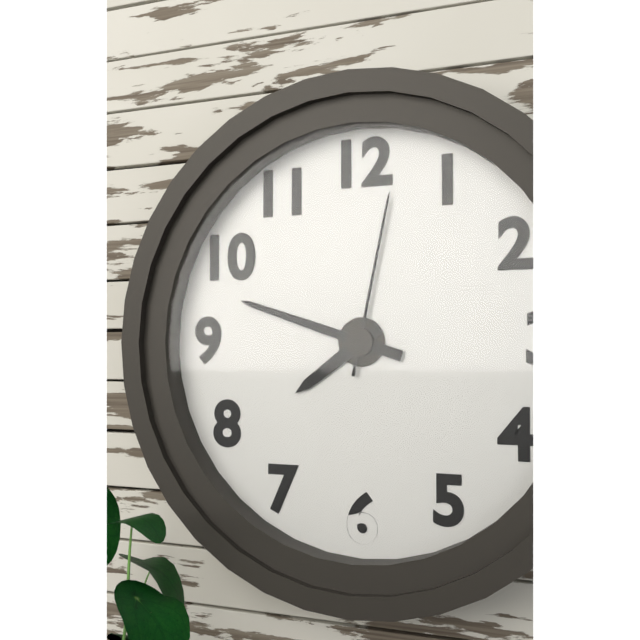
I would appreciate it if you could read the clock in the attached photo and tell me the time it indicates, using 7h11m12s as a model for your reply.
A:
7h48m02s
